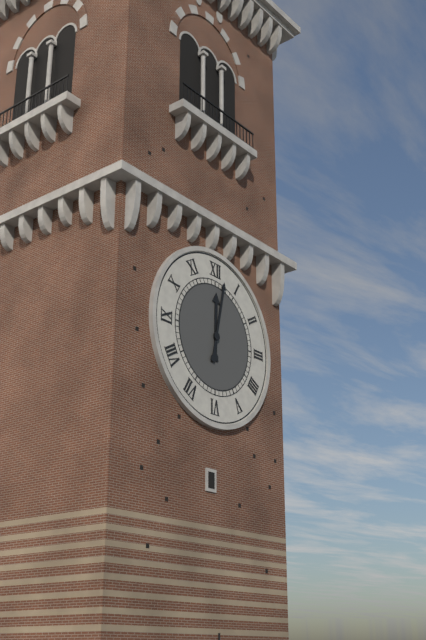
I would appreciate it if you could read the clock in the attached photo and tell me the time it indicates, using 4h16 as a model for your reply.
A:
12h02
